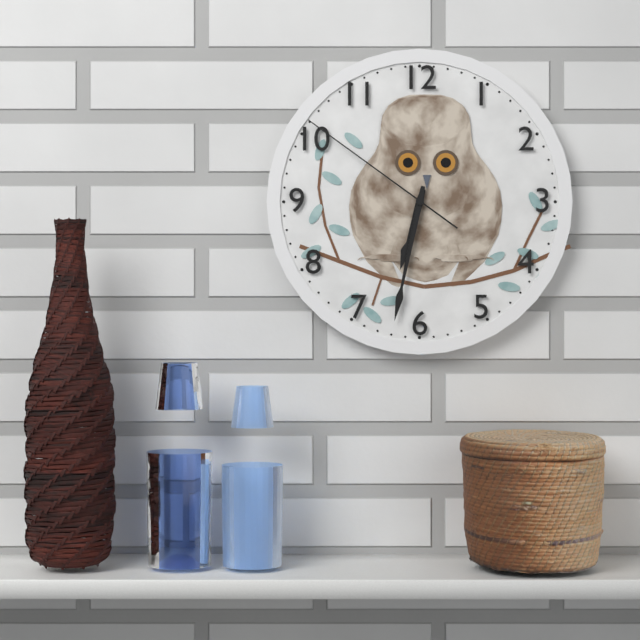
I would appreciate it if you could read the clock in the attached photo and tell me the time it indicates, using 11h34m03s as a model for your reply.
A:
6h32m51s
